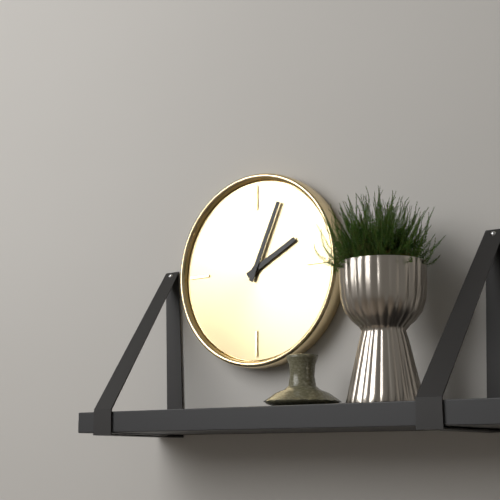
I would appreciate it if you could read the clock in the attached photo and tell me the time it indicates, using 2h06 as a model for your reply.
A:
2h04
